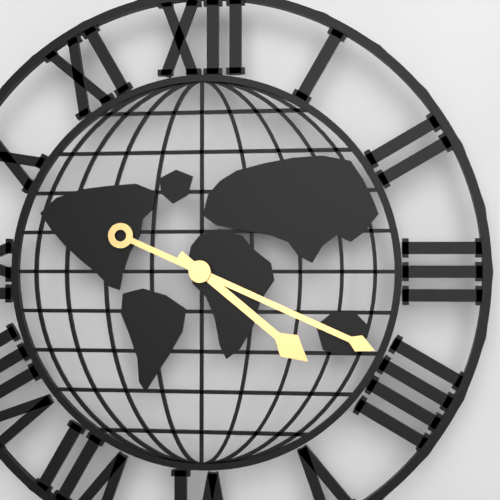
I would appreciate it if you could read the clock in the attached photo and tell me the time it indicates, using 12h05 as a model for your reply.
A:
4h19
